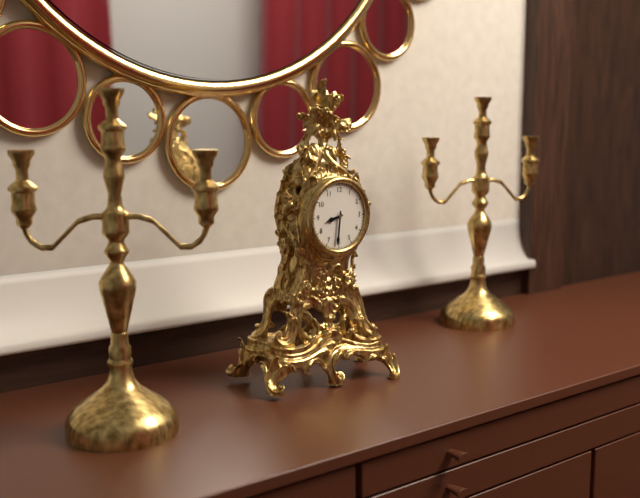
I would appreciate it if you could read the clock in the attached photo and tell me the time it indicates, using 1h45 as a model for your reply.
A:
8h31
